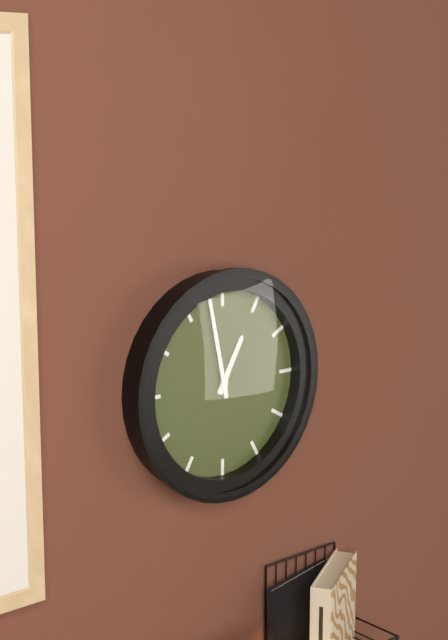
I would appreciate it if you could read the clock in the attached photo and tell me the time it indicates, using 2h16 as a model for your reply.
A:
12h58
